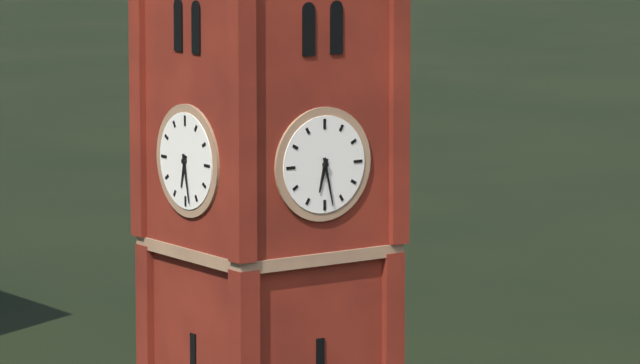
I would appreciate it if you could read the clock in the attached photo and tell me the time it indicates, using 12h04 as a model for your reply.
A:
6h28
